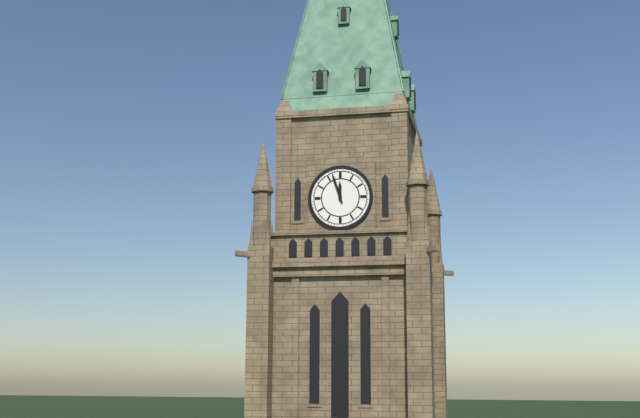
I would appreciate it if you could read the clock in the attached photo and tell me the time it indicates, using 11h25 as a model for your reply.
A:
11h57
